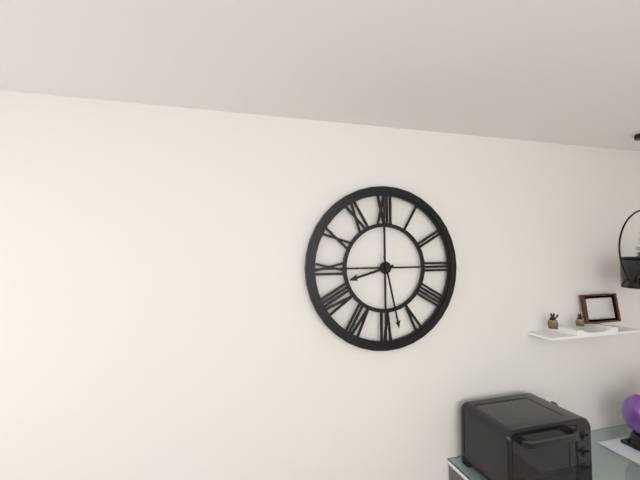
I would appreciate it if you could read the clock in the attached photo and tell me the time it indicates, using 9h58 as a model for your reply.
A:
8h28
